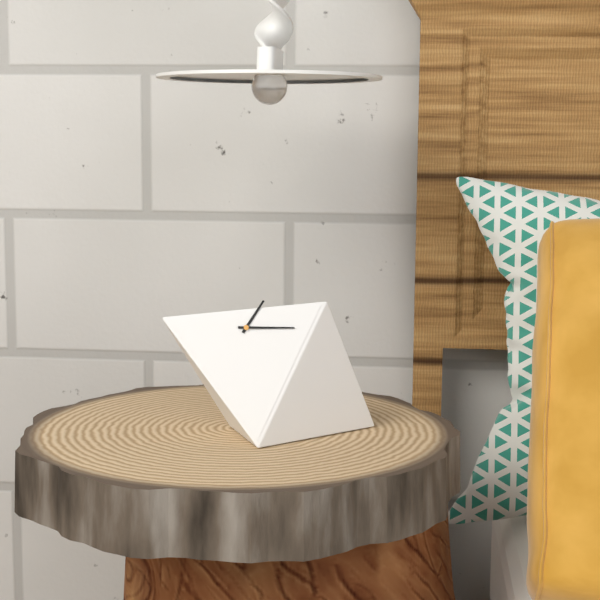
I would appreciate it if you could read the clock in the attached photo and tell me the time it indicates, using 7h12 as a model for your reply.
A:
1h16
